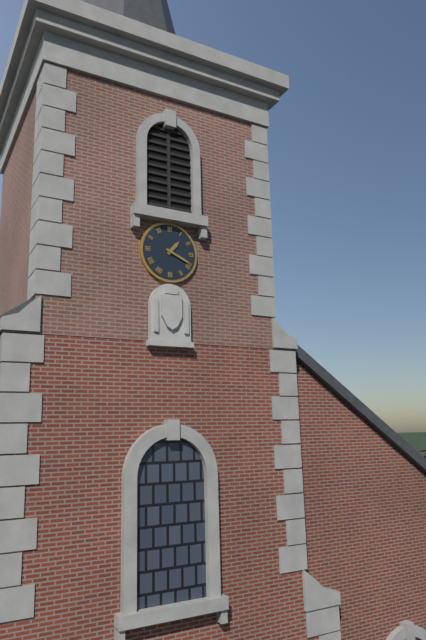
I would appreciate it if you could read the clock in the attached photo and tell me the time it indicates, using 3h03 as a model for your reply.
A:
1h19
